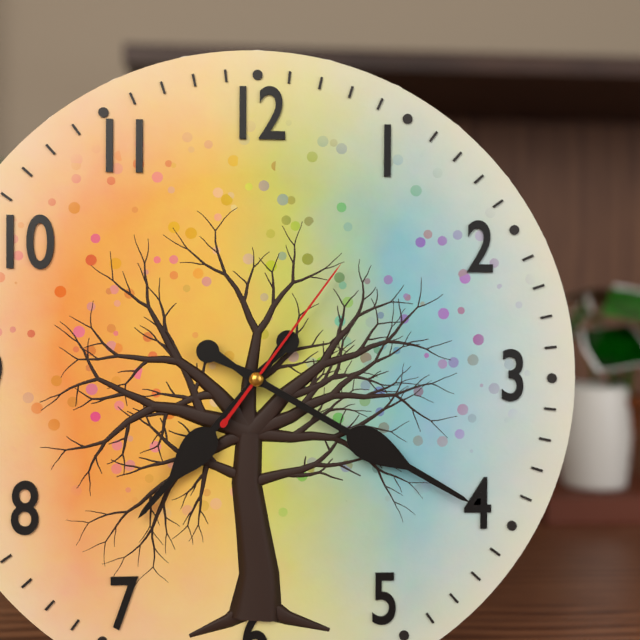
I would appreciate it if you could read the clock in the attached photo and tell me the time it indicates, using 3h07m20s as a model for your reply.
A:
7h20m06s
